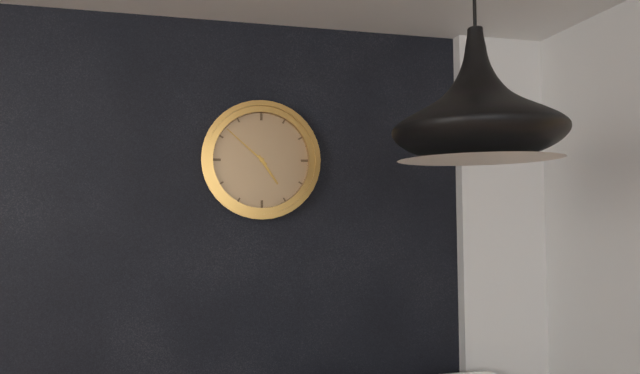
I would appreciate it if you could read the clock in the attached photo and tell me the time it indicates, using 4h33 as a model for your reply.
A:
4h52
